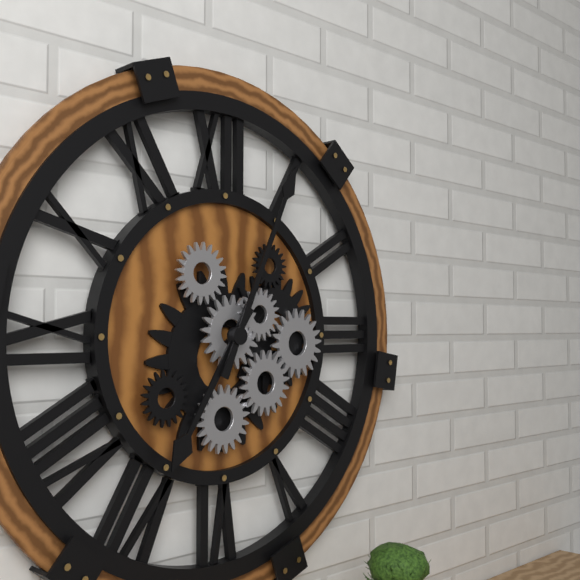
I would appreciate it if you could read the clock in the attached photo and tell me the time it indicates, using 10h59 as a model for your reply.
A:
7h04
